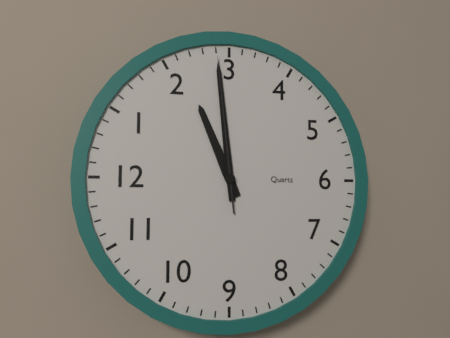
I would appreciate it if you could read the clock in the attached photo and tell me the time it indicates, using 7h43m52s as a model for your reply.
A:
2h14m14s
